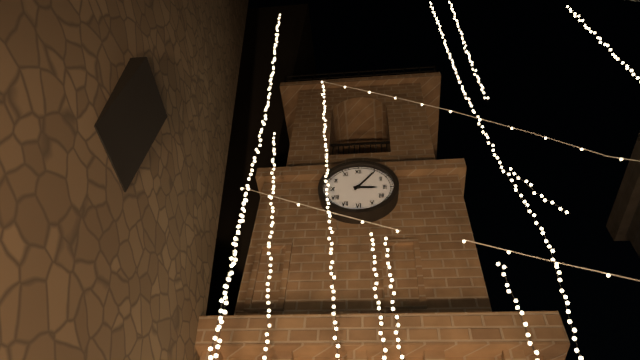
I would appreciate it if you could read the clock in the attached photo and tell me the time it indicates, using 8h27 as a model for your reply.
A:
3h06
